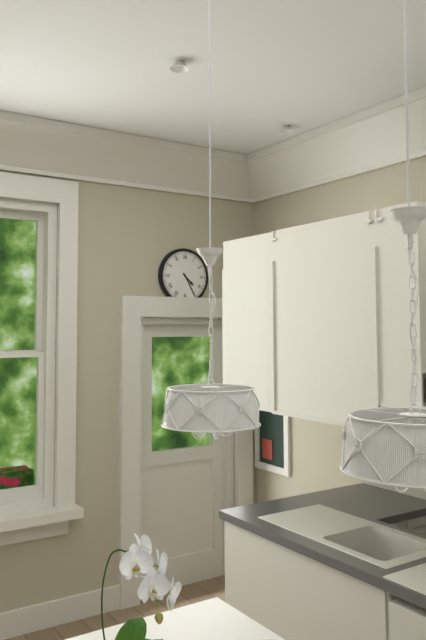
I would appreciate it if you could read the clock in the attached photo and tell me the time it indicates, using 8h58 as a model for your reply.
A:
4h25
